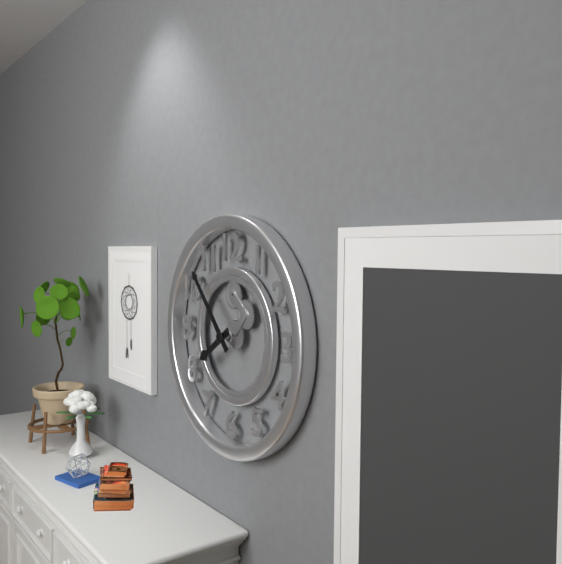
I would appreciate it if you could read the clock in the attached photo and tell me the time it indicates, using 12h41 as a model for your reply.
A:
7h53
